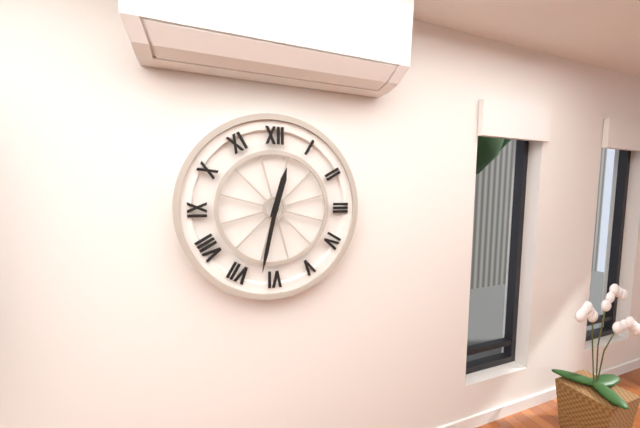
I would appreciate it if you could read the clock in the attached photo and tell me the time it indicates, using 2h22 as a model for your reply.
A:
12h32
